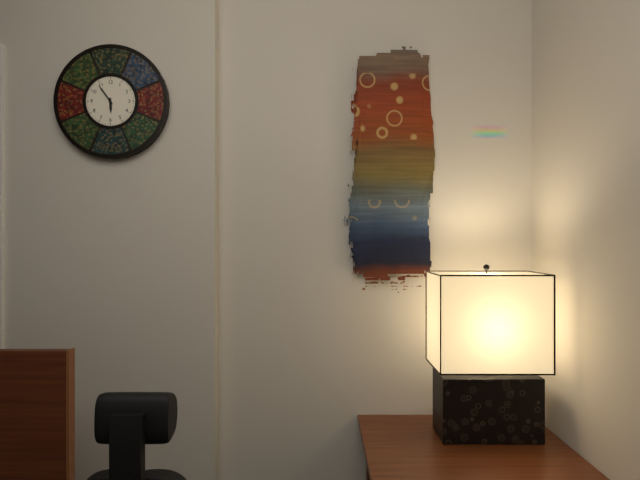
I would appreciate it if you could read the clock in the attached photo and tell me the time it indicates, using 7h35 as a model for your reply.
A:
5h54
